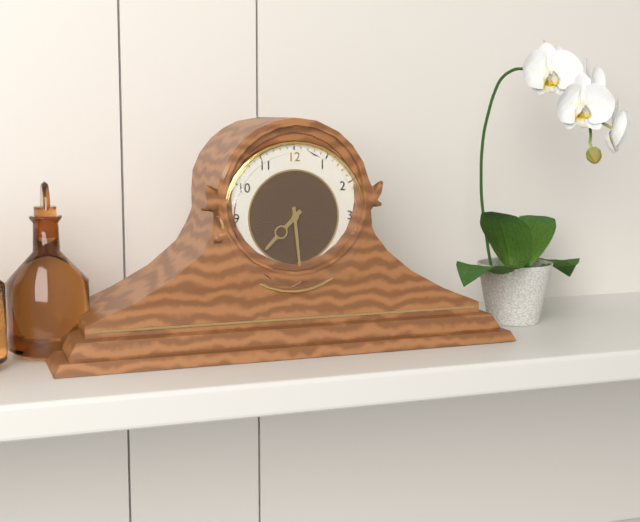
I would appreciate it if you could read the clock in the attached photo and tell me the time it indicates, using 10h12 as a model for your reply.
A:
7h29
